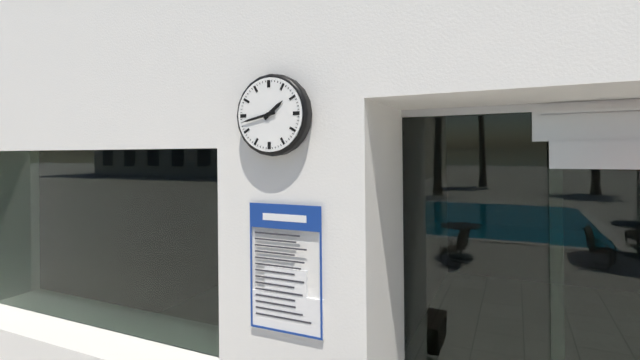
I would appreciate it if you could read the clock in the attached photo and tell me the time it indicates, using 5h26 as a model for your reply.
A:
1h43
